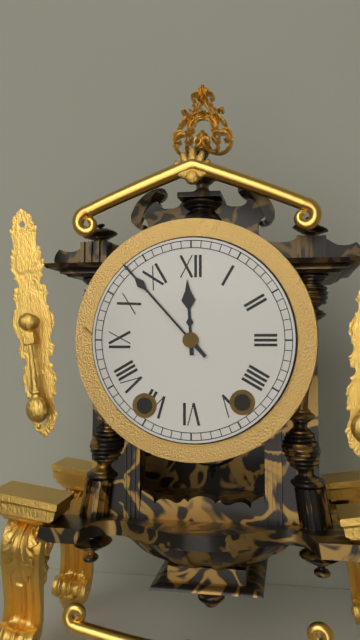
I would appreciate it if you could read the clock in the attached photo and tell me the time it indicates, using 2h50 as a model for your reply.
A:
11h53
